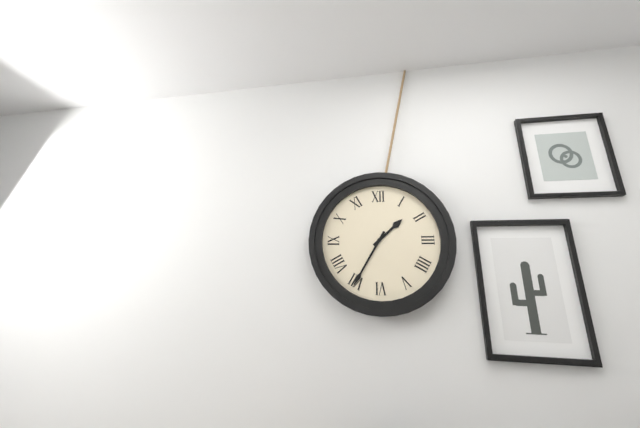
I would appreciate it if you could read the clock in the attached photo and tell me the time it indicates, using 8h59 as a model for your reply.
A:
1h35
